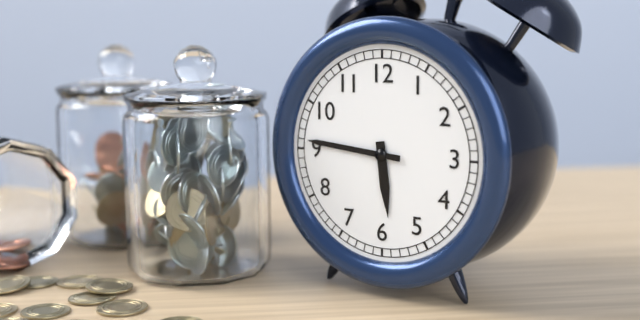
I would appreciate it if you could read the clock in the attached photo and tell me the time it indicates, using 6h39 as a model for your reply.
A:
5h46
